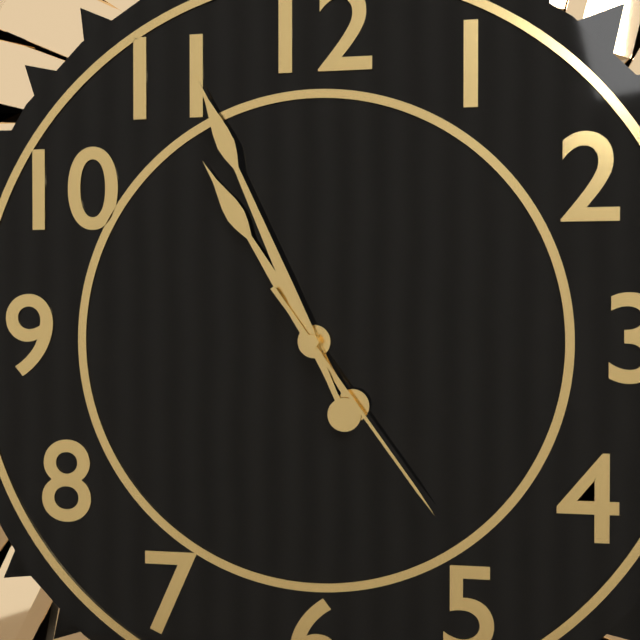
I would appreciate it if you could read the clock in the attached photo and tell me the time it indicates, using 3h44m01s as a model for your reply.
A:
10h56m24s
